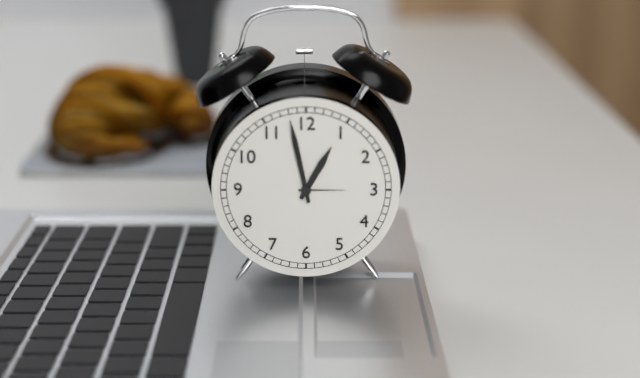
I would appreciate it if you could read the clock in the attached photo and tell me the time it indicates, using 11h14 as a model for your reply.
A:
12h58
